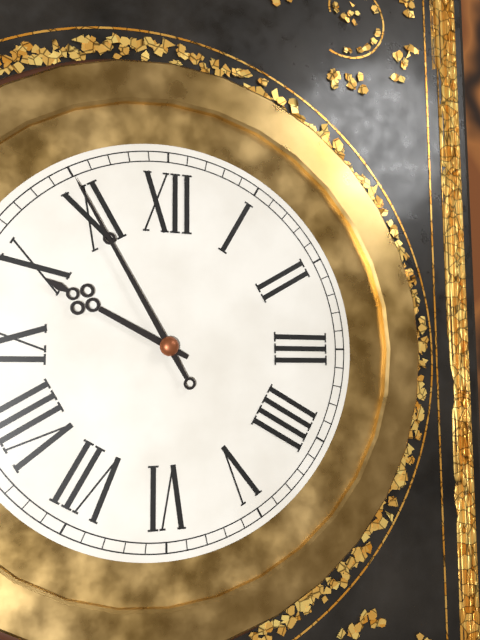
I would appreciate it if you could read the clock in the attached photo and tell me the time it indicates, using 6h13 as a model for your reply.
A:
9h55
